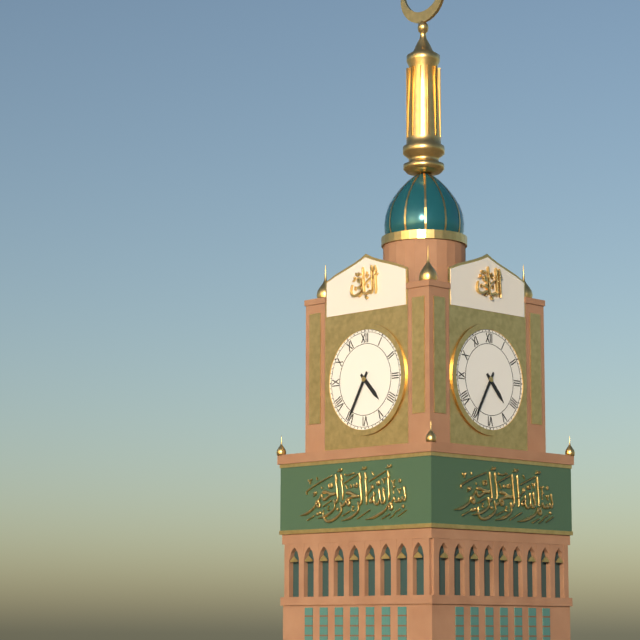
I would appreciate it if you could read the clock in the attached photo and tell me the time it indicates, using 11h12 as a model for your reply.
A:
4h35
